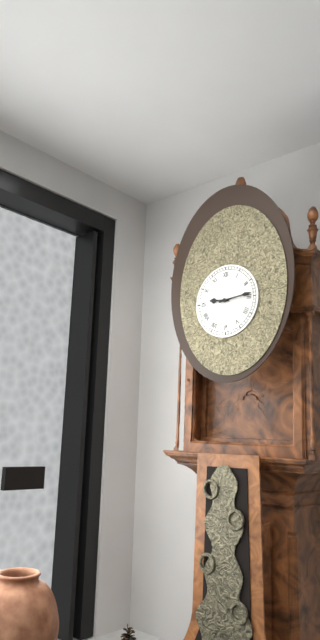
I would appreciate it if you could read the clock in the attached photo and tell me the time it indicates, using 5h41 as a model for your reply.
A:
9h14
